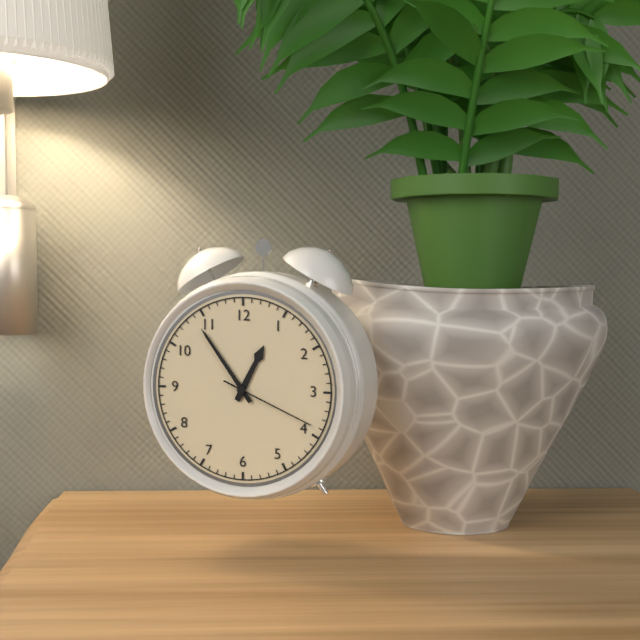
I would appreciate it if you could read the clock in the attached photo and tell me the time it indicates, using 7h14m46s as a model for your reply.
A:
12h54m19s
